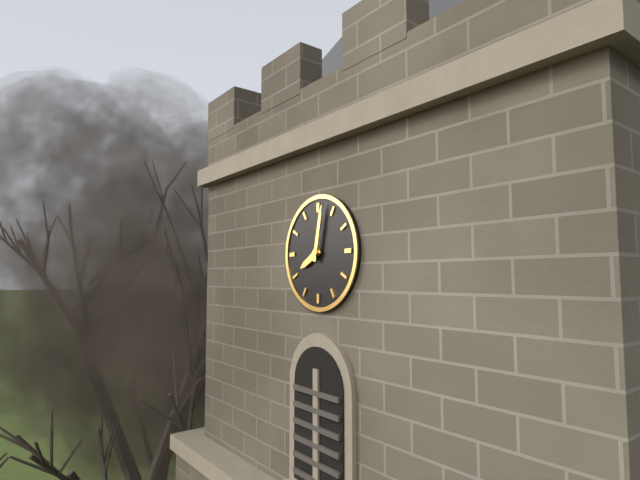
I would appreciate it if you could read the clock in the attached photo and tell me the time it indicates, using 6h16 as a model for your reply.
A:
8h02
